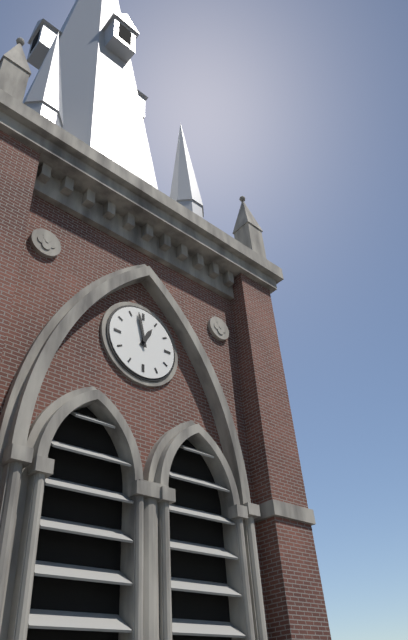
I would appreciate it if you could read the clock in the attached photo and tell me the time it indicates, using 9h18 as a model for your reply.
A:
12h58
